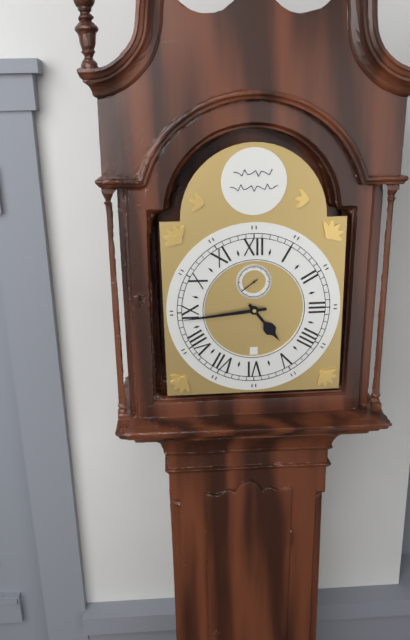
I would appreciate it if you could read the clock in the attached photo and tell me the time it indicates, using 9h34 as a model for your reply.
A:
4h44
